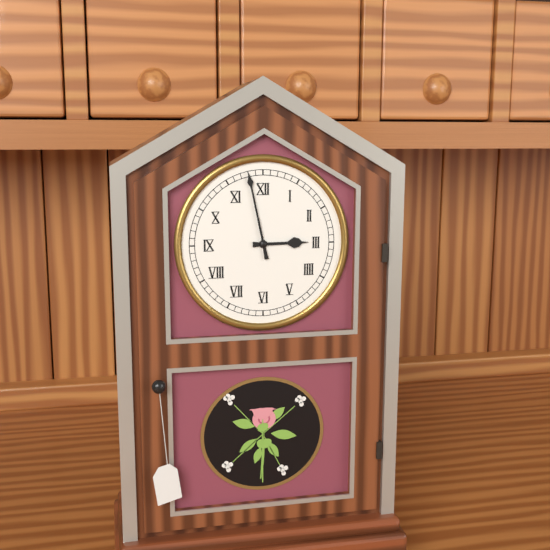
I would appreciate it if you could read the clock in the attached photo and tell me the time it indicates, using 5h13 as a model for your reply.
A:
2h58
